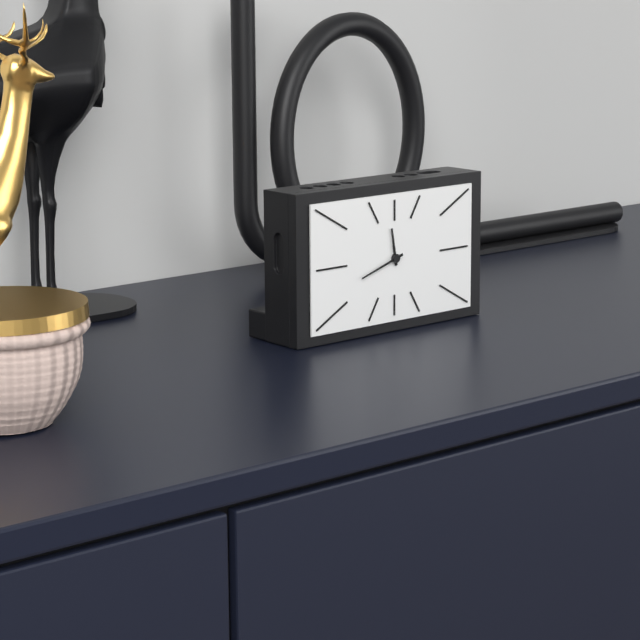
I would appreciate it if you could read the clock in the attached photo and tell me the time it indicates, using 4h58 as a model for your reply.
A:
11h42
